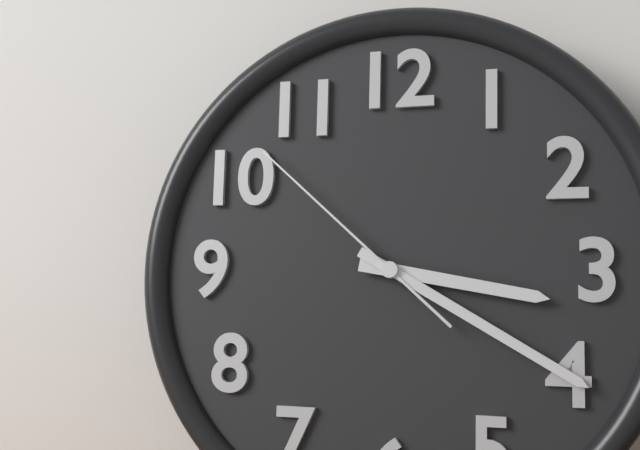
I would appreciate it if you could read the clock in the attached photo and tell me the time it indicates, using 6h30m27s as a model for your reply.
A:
3h20m52s
